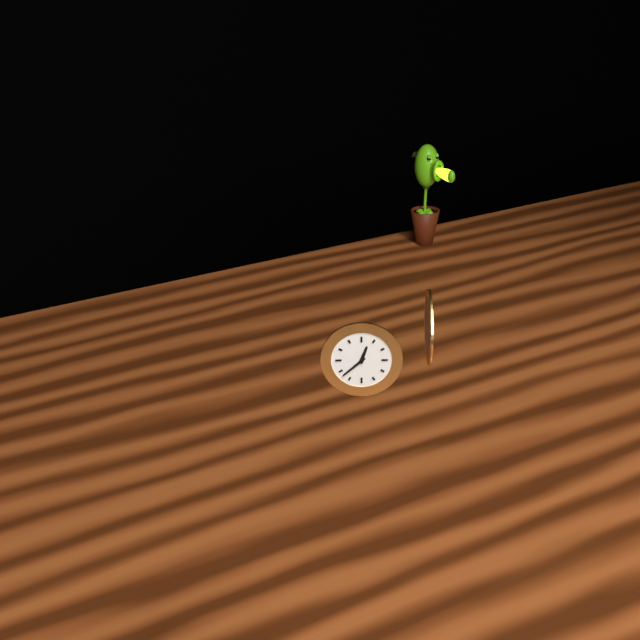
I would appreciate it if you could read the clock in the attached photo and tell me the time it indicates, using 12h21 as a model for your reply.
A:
12h38
